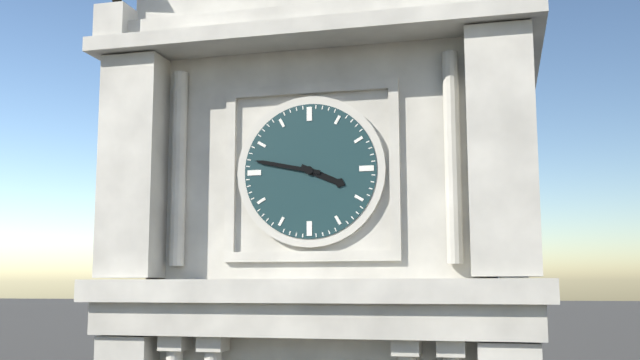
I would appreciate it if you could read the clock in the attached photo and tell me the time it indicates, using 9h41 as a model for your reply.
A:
3h47
